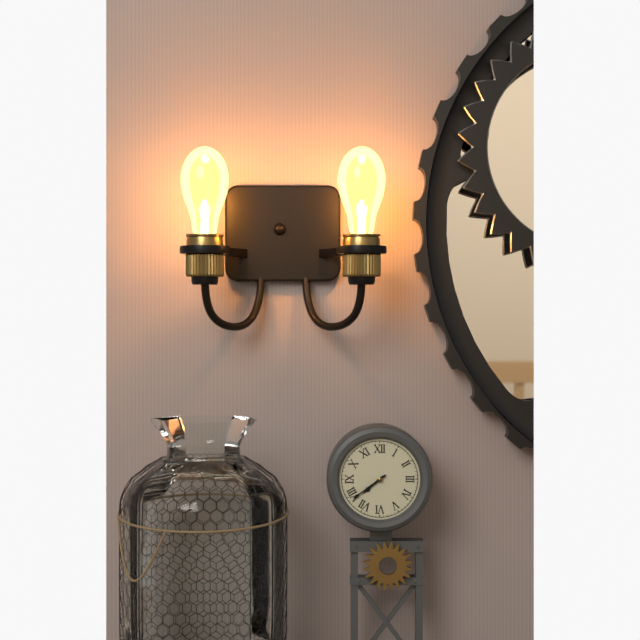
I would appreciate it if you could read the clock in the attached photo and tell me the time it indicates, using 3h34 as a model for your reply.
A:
7h39
